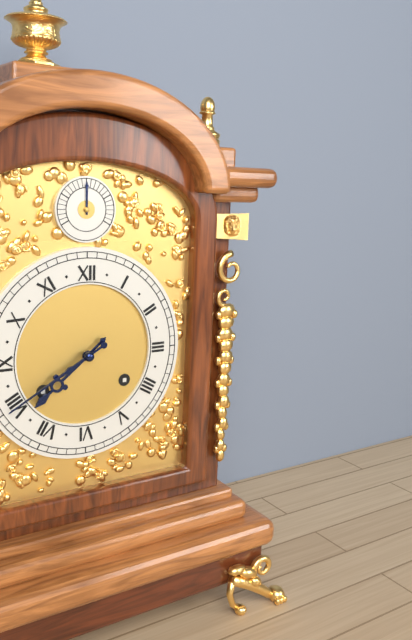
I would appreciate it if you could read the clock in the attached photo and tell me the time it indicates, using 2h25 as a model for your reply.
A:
7h40
